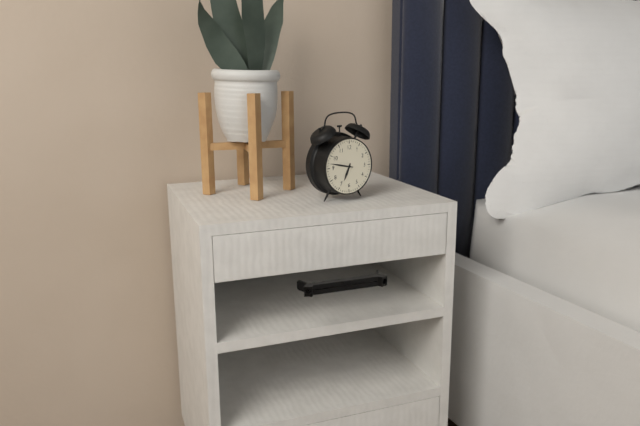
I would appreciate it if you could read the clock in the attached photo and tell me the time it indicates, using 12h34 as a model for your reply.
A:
6h47
